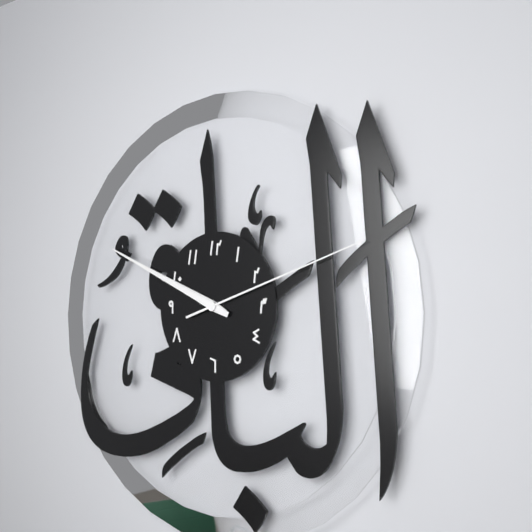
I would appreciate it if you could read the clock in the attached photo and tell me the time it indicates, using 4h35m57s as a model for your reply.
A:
9h49m12s
